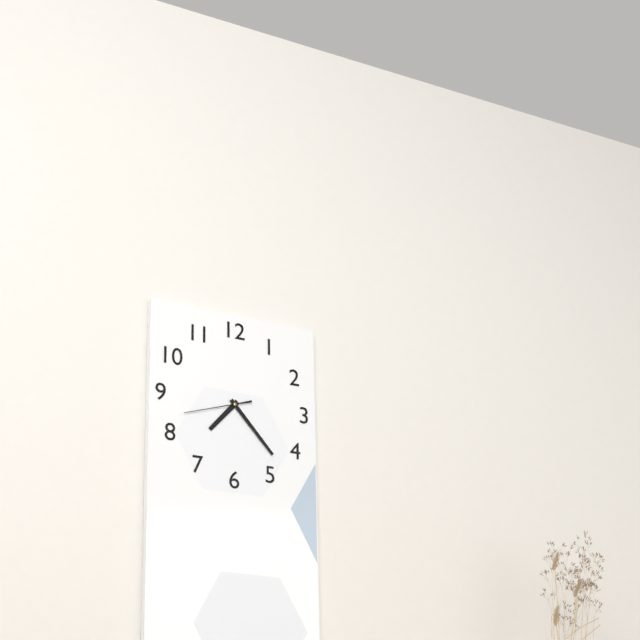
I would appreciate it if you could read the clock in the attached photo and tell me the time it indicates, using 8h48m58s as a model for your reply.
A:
7h23m42s
